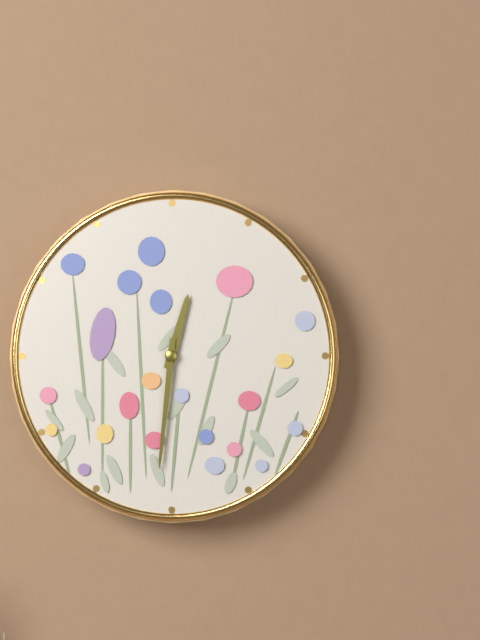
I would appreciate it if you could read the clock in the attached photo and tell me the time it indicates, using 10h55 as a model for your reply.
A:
12h31
